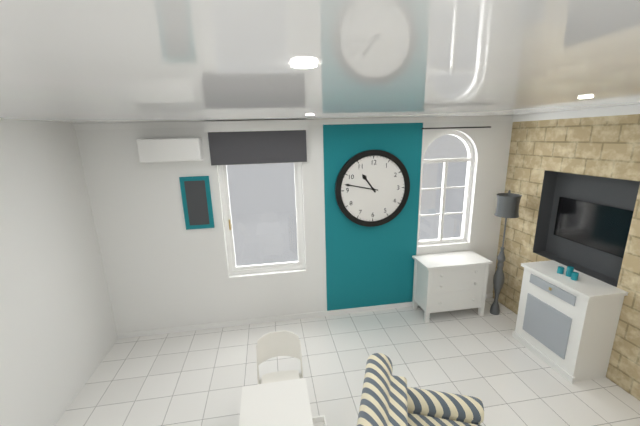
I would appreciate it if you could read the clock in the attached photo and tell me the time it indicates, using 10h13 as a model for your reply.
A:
10h47
